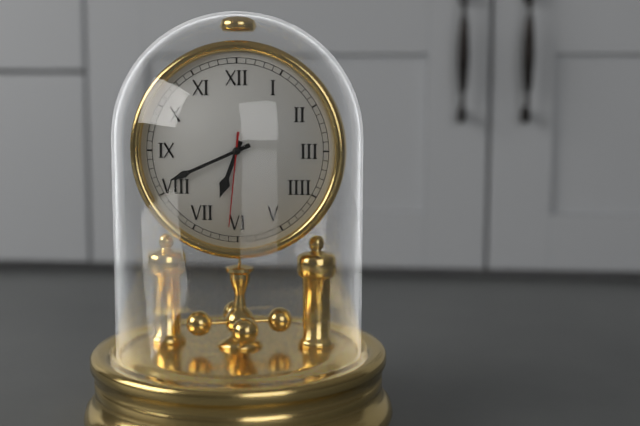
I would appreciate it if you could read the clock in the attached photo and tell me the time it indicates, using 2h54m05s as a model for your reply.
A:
6h41m31s
